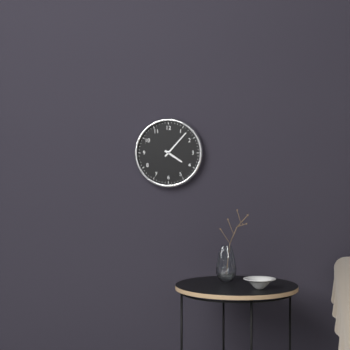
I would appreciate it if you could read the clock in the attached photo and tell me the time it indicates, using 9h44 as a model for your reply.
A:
4h07
